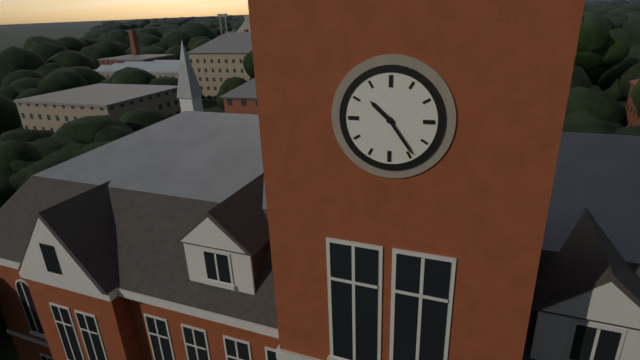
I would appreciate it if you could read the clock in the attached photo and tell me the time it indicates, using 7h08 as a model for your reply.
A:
10h24
